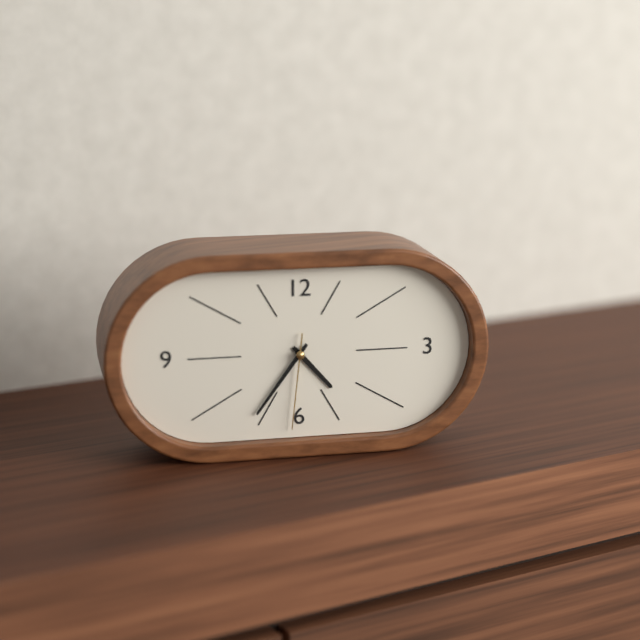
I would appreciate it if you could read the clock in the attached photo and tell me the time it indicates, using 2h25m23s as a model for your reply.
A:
4h36m31s
